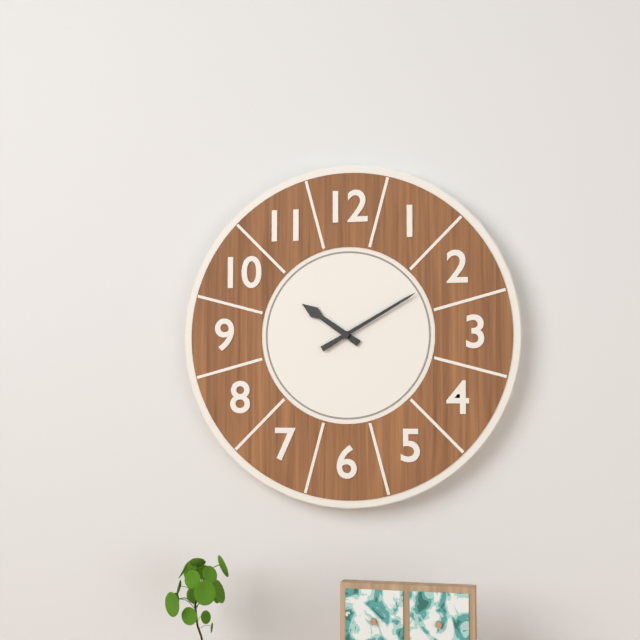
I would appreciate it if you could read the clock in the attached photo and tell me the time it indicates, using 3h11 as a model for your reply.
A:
10h10
